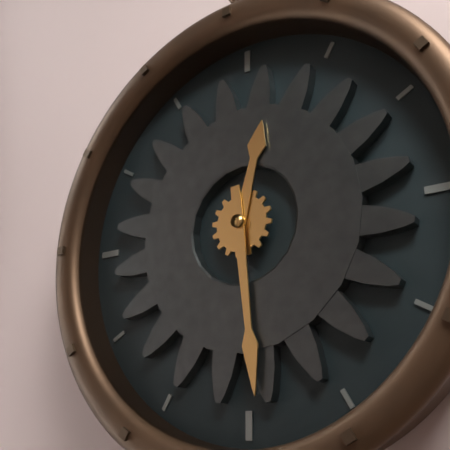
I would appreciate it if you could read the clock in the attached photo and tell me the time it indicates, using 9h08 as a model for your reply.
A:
12h29
